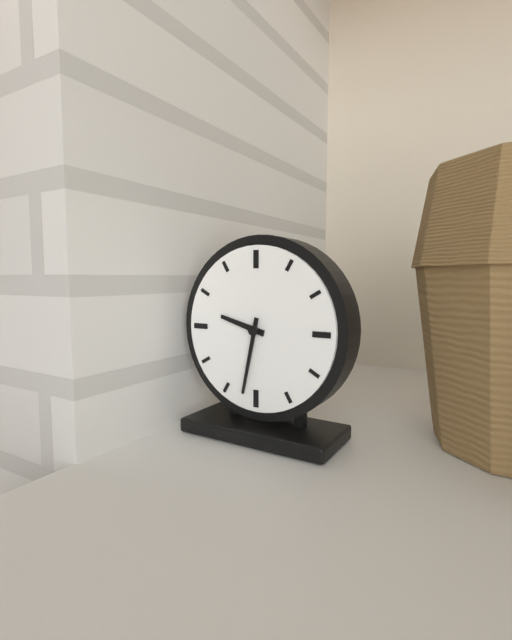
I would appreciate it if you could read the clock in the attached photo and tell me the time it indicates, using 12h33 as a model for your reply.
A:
9h32
